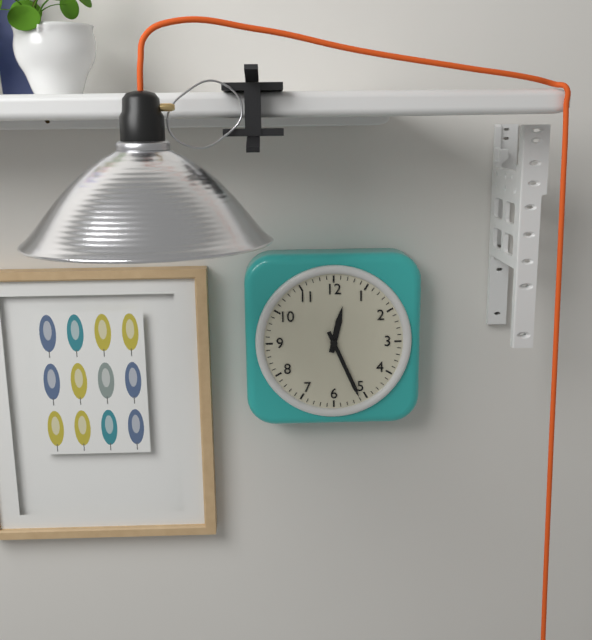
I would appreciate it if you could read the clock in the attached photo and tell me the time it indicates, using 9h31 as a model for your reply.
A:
12h26
